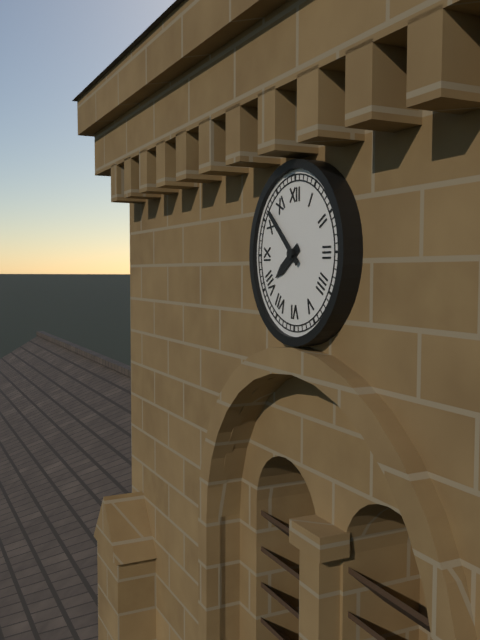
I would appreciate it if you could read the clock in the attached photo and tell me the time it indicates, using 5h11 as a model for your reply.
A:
7h52
